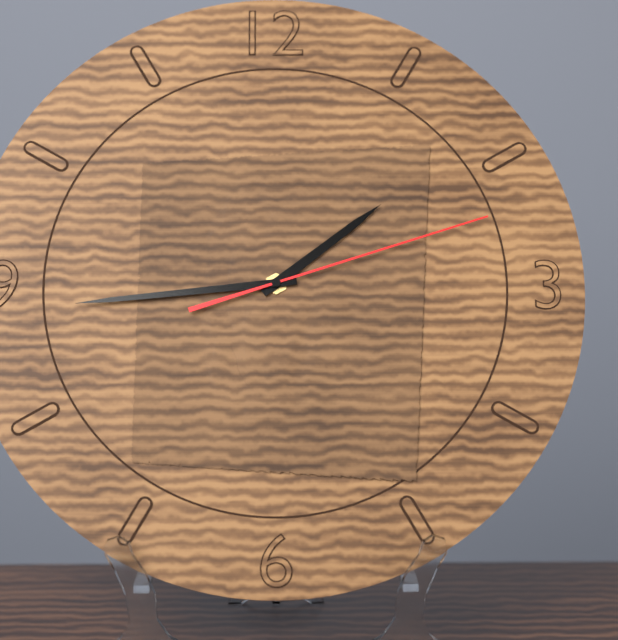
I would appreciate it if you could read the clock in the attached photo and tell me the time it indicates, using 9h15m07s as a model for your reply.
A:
1h44m12s
